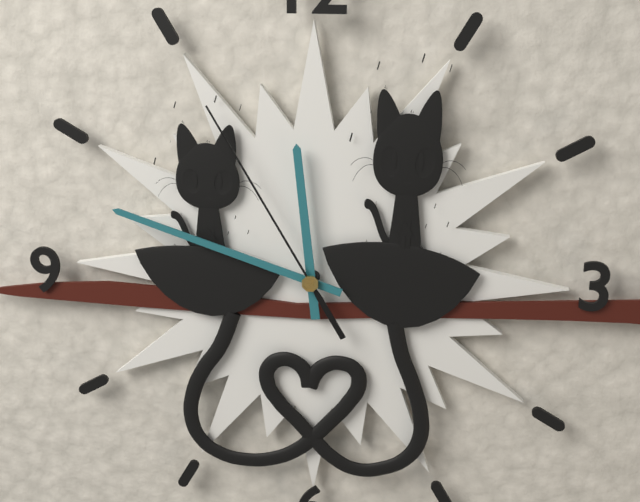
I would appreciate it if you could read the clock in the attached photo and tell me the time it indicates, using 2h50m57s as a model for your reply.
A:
11h48m55s
